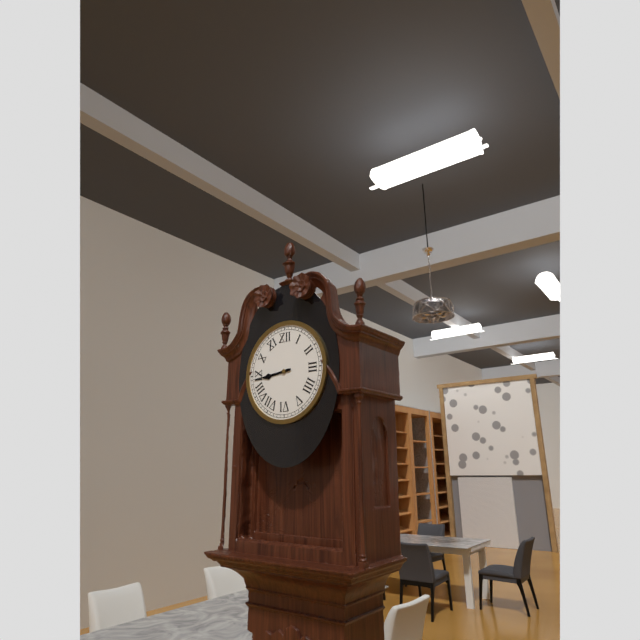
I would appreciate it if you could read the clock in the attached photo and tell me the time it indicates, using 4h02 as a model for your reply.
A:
8h44
